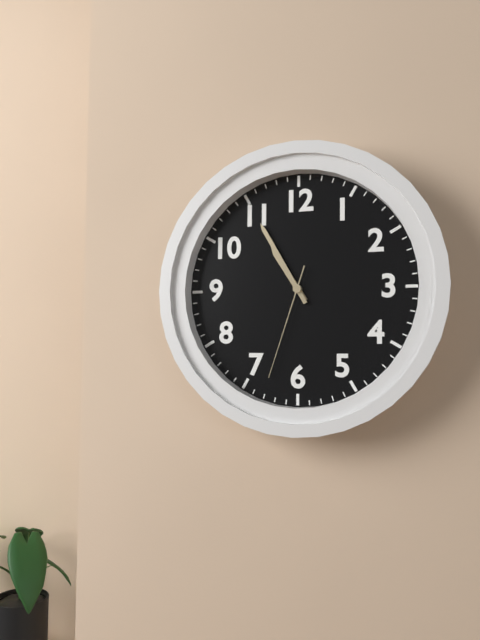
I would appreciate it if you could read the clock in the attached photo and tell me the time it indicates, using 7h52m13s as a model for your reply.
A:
10h55m33s
